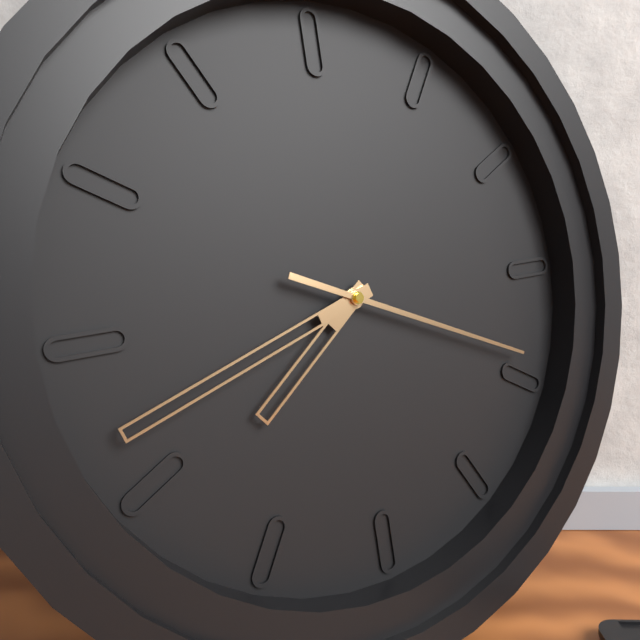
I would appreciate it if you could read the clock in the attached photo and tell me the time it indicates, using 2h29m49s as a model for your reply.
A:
7h42m19s
